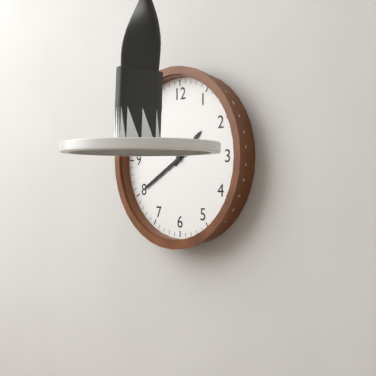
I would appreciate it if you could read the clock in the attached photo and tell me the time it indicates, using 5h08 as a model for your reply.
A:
1h40
